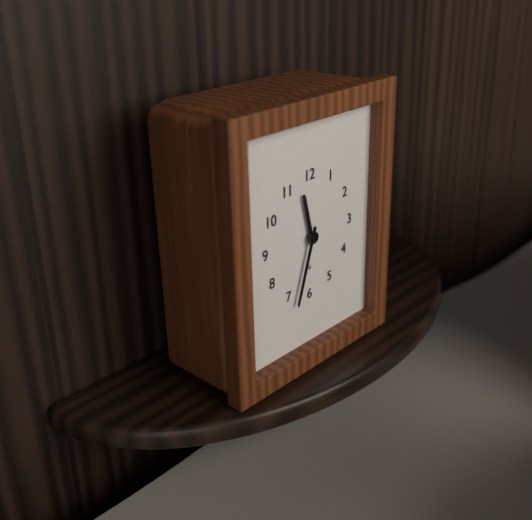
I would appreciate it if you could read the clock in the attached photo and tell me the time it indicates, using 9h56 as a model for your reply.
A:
11h33
